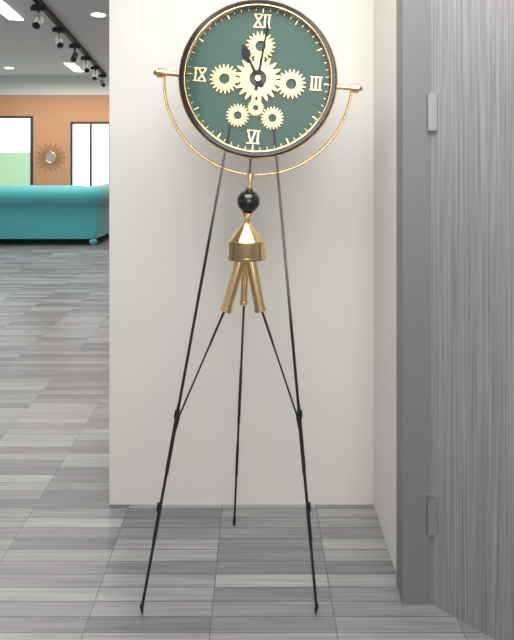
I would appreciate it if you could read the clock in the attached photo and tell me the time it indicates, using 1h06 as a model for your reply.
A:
11h01
